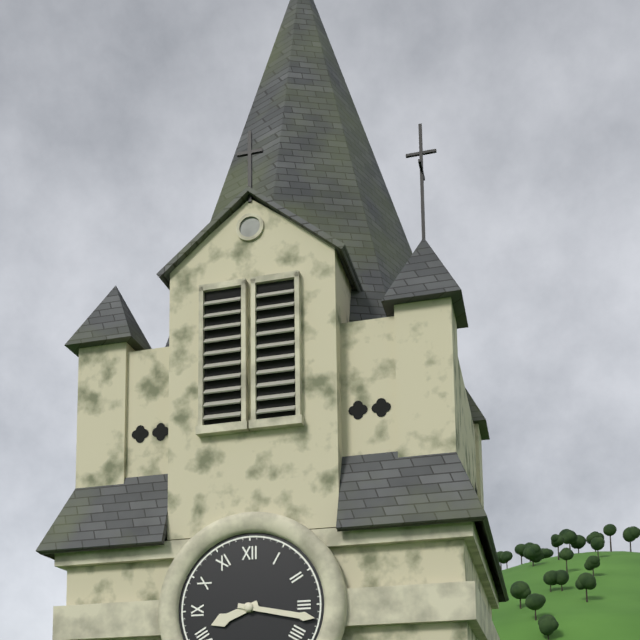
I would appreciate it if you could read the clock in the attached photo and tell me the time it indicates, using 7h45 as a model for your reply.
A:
8h17
